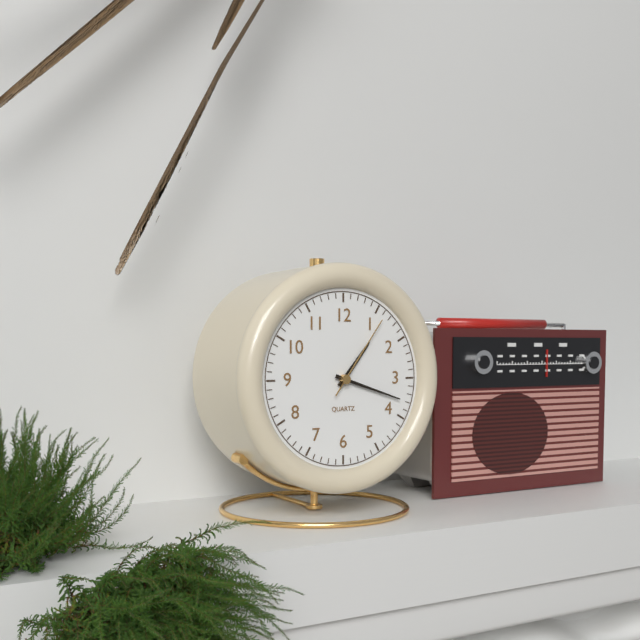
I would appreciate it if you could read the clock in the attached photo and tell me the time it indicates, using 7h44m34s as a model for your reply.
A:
1h18m06s
